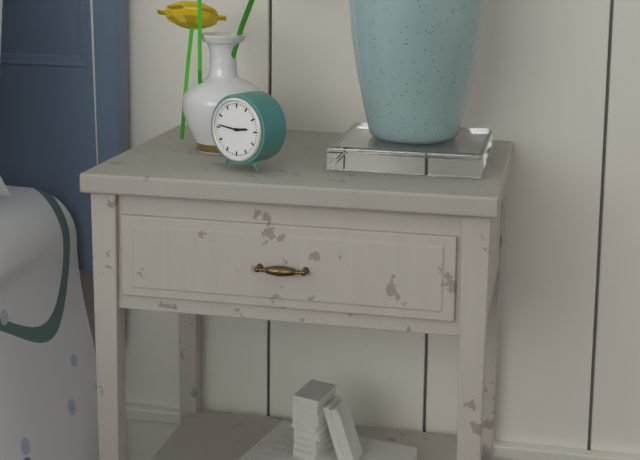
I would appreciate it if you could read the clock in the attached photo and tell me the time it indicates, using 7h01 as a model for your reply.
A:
2h46
